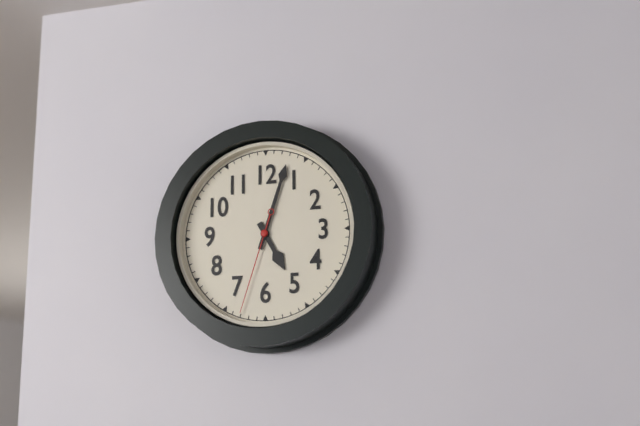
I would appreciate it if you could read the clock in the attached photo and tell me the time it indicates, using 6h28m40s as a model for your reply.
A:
5h03m33s
